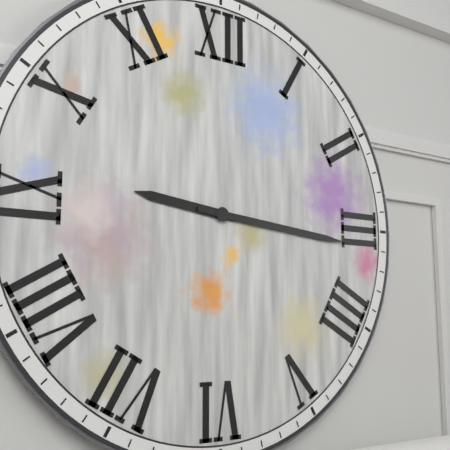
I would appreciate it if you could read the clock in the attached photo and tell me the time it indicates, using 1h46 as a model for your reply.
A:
9h16
